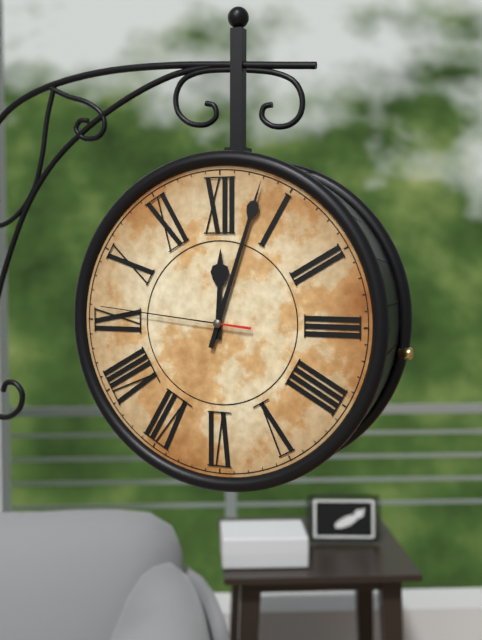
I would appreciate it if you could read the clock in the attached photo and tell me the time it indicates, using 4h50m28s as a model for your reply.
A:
12h03m46s
